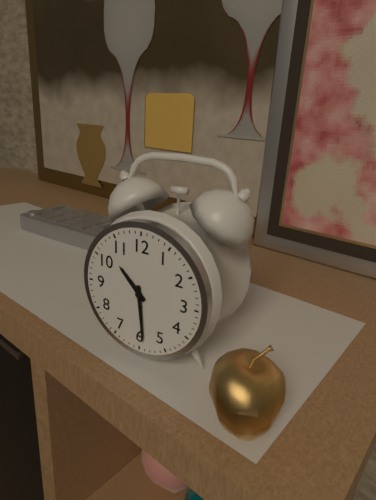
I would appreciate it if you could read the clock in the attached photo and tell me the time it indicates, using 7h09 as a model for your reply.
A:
10h29
